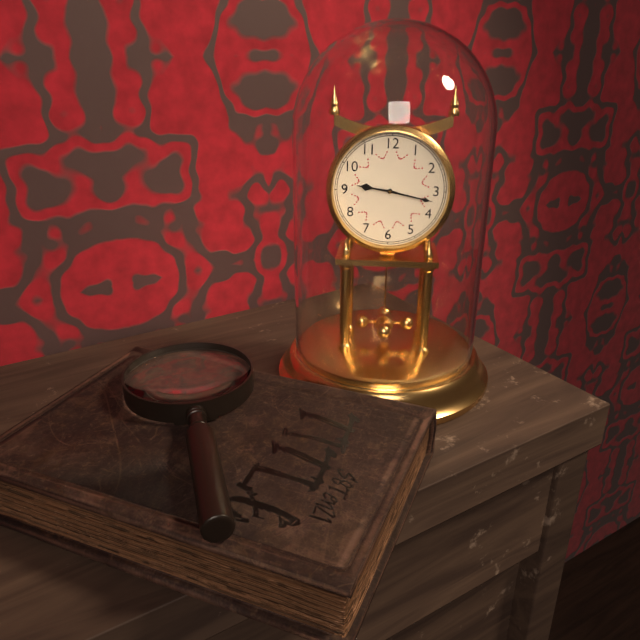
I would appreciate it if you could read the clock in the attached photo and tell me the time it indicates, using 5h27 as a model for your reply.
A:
9h17
